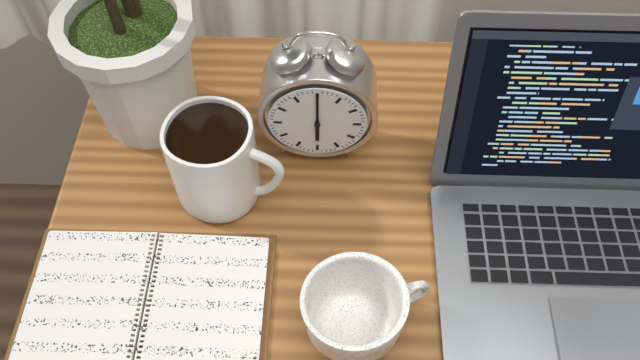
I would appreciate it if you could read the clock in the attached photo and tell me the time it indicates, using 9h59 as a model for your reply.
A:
6h00
